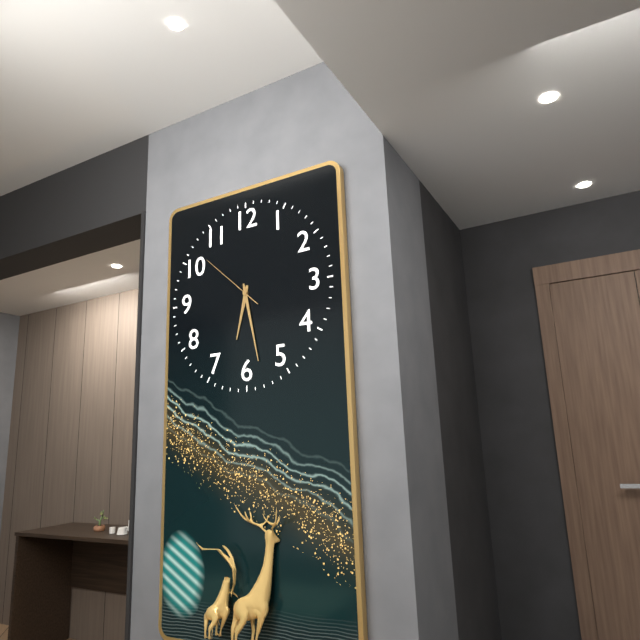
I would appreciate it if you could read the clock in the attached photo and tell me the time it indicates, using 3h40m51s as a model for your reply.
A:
6h28m52s
